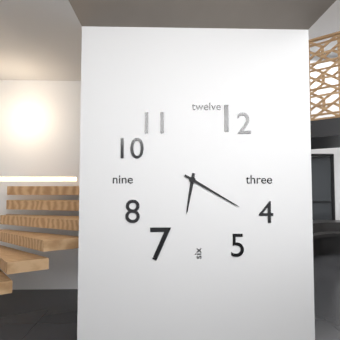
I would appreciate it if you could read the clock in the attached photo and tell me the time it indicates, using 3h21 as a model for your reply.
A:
6h20
